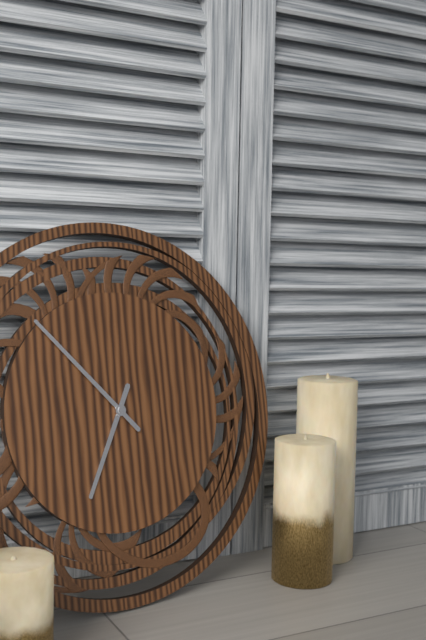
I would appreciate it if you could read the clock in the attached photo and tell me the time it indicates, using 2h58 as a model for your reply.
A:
6h53
